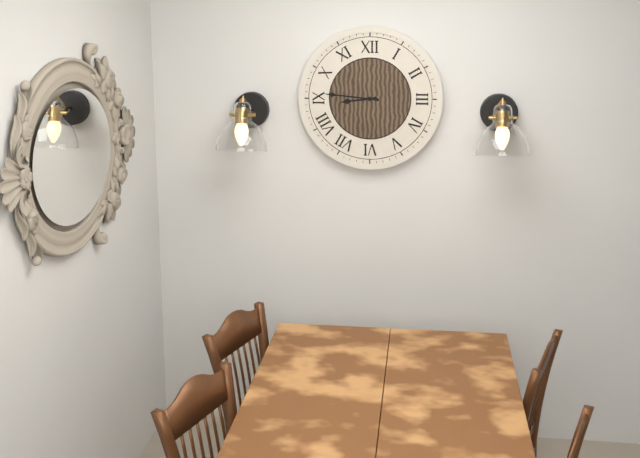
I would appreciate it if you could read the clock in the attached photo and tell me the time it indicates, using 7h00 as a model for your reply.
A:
8h46
